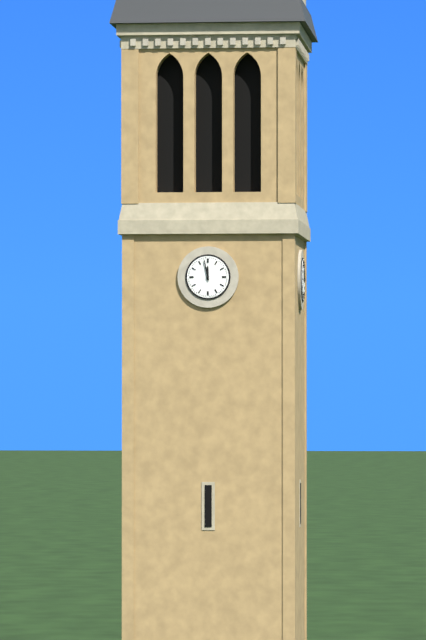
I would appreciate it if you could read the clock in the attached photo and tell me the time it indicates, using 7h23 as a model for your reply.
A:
11h58
